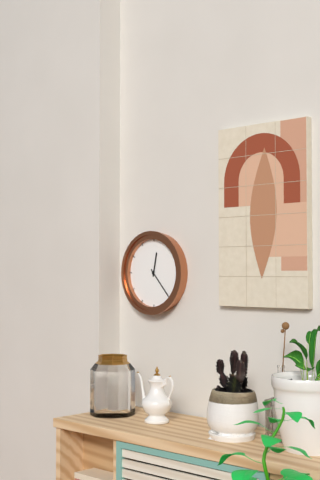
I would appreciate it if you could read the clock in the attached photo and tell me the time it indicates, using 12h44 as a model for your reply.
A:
12h23
